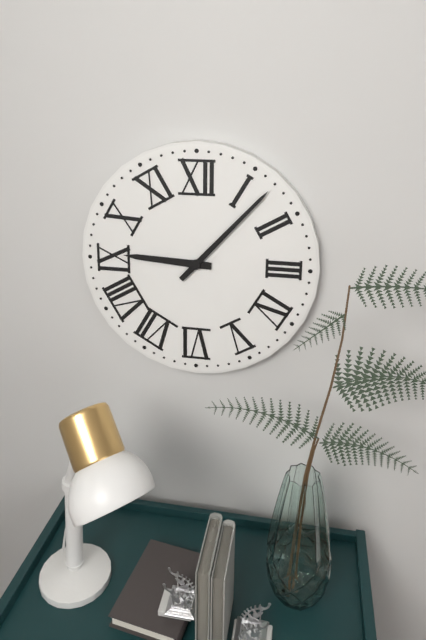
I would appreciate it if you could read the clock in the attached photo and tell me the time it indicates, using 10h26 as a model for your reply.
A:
9h07
